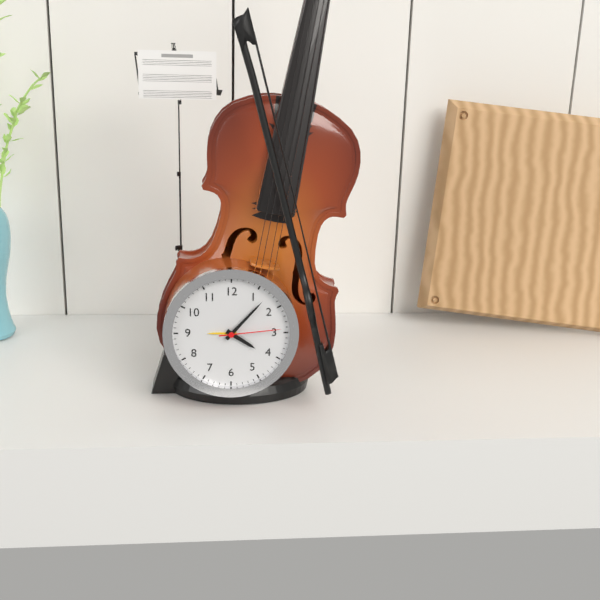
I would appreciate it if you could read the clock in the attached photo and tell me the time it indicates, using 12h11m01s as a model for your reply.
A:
4h07m14s
